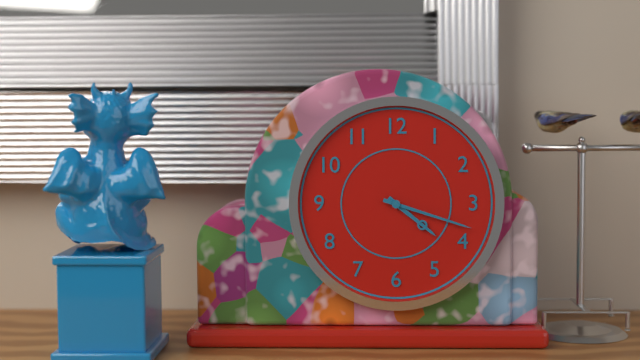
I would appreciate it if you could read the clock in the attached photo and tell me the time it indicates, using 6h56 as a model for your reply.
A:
4h18
